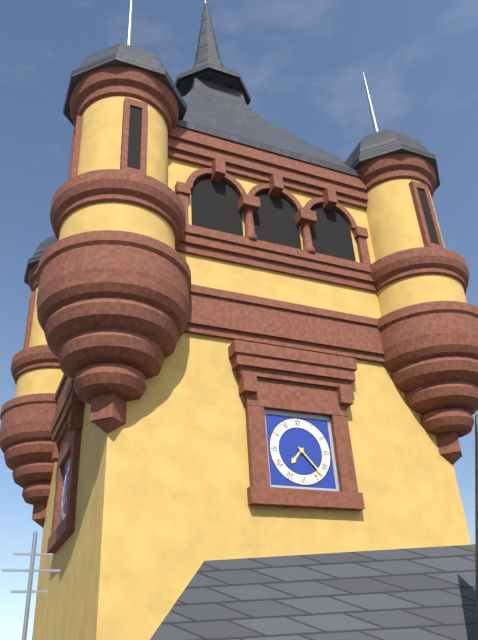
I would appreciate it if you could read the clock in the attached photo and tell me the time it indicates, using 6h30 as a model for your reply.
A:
7h23
